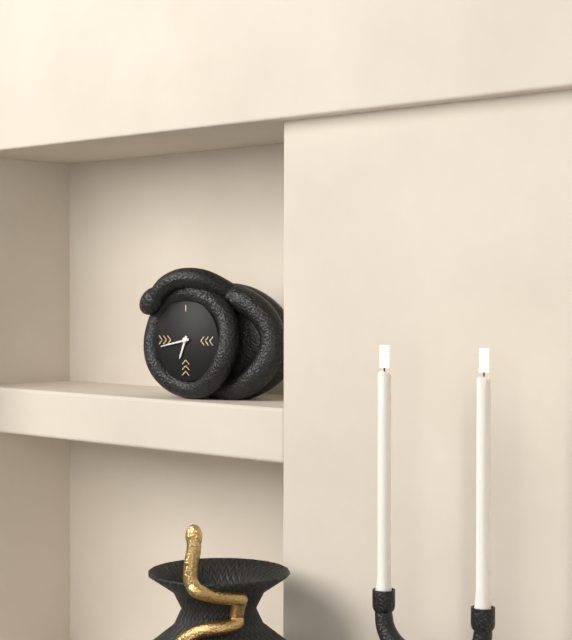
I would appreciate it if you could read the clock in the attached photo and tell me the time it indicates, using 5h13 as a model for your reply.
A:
6h43
